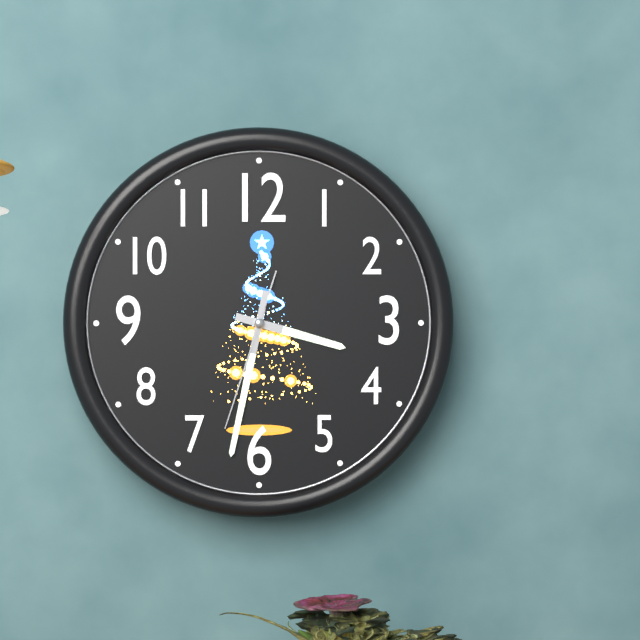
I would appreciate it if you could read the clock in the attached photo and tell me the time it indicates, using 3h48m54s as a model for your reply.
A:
3h32m33s
